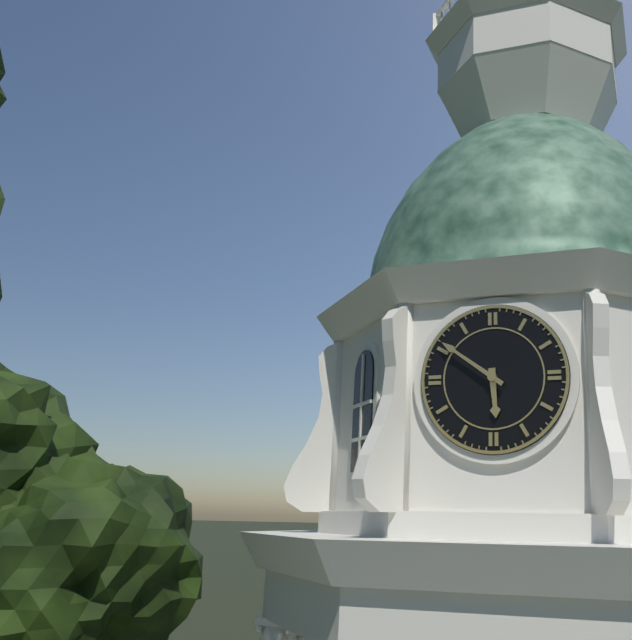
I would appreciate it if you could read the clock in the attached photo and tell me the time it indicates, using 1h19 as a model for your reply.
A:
5h51
